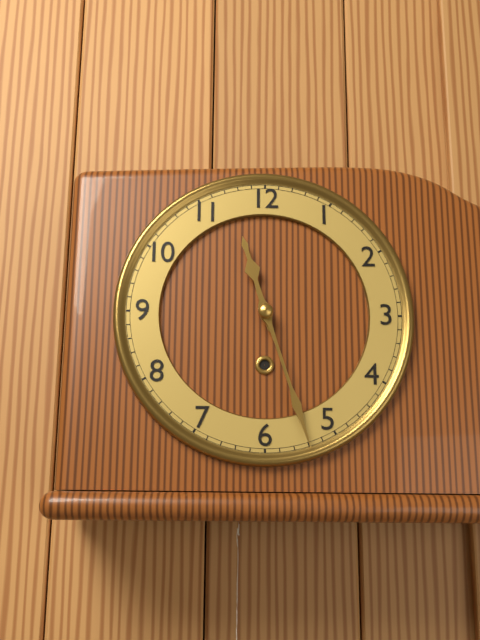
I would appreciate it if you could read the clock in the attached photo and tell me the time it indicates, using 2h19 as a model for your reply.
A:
11h27
